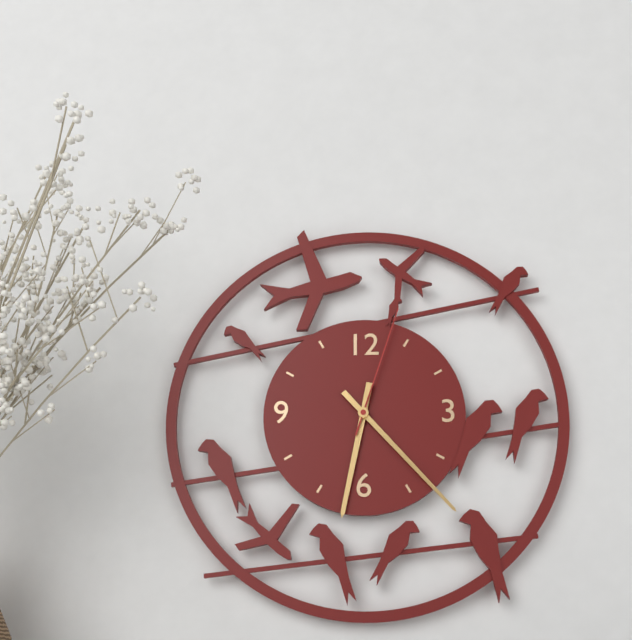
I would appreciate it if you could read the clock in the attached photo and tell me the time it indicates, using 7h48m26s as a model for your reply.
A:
6h23m03s
